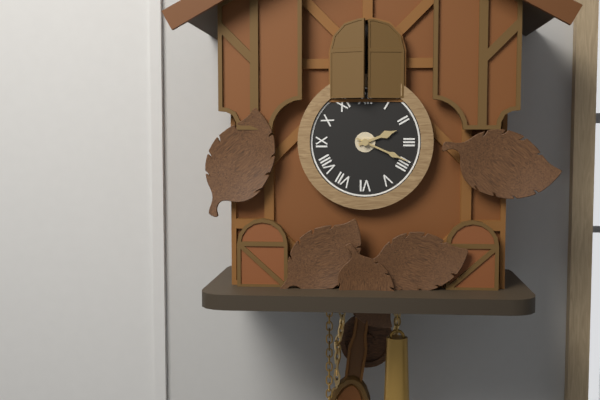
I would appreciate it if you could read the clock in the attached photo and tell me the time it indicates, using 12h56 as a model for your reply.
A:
2h19
